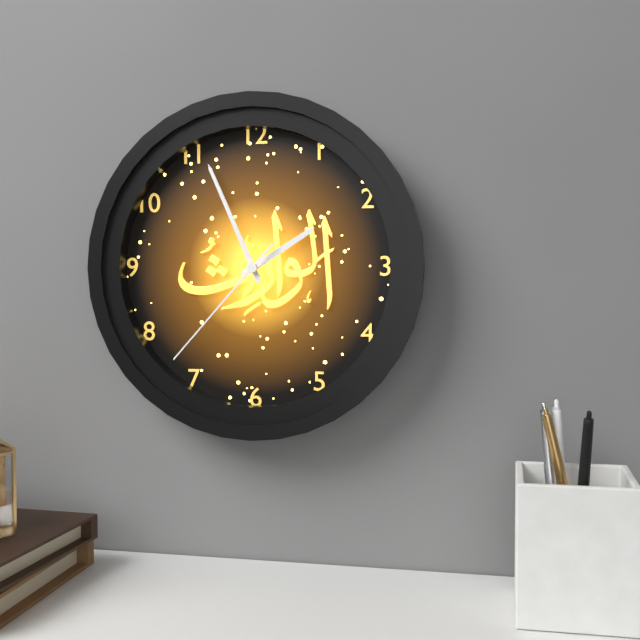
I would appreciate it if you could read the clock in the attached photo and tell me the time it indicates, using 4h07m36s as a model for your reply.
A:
1h56m37s
